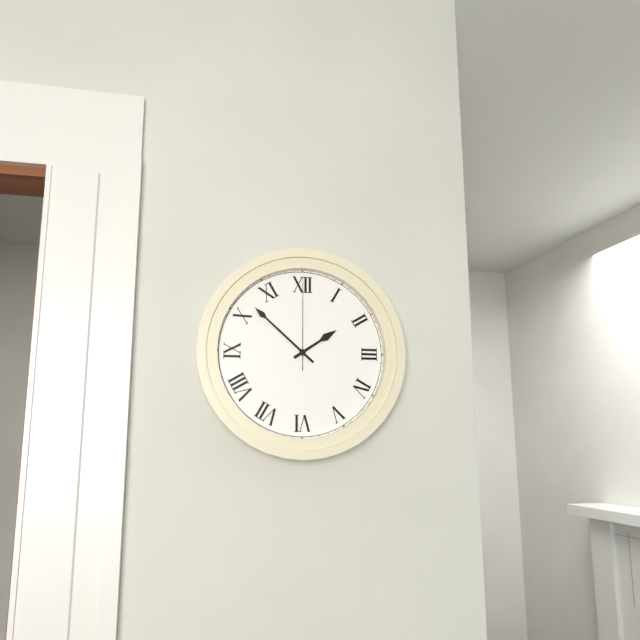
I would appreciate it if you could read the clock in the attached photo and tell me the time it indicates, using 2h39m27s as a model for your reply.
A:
1h52m00s
